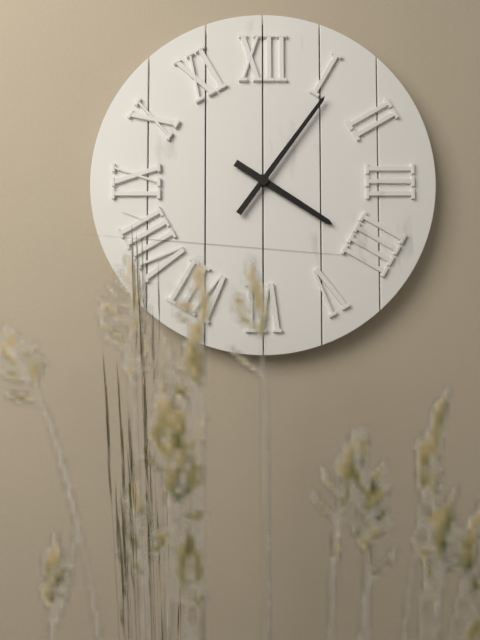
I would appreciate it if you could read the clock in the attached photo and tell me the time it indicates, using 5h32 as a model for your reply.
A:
4h06
